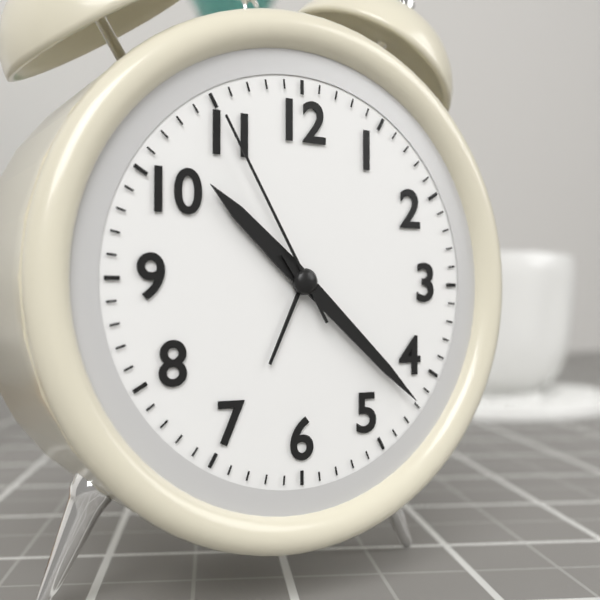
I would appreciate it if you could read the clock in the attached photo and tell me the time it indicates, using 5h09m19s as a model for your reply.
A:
10h22m55s
